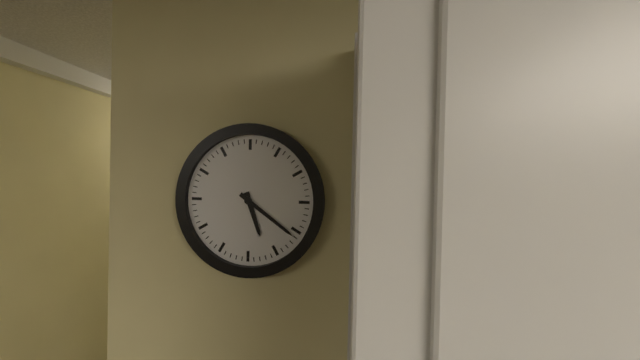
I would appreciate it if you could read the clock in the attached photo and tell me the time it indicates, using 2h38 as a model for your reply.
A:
5h21
